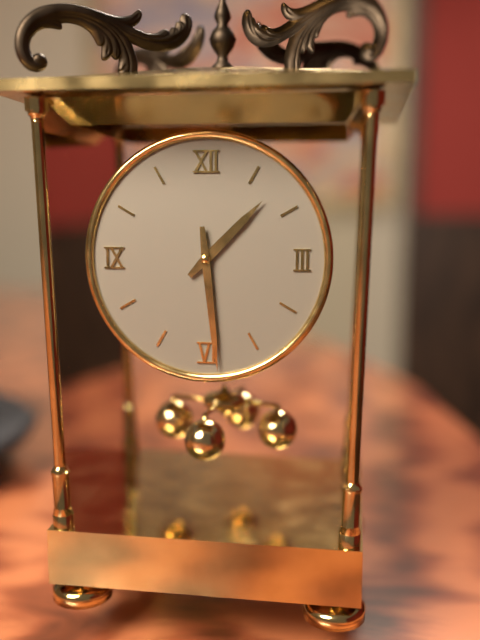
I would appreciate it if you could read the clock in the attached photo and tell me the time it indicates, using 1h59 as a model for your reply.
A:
1h29
